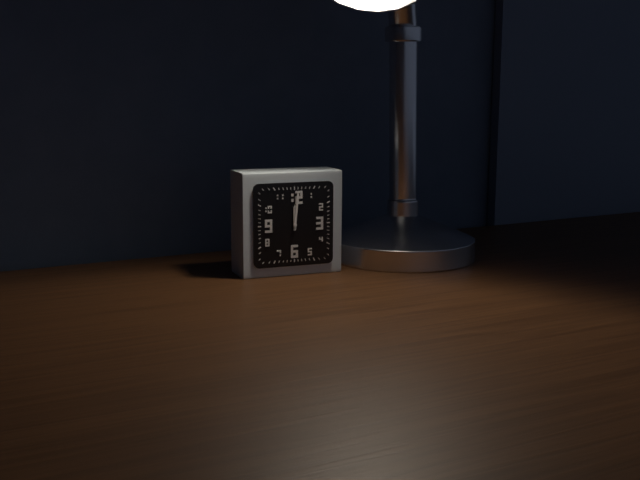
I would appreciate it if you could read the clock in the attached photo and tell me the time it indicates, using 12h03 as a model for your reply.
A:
12h01
